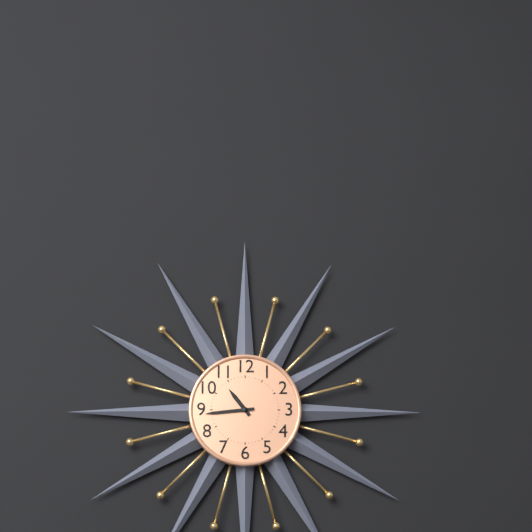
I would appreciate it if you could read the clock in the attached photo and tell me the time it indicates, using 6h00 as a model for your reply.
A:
10h44
